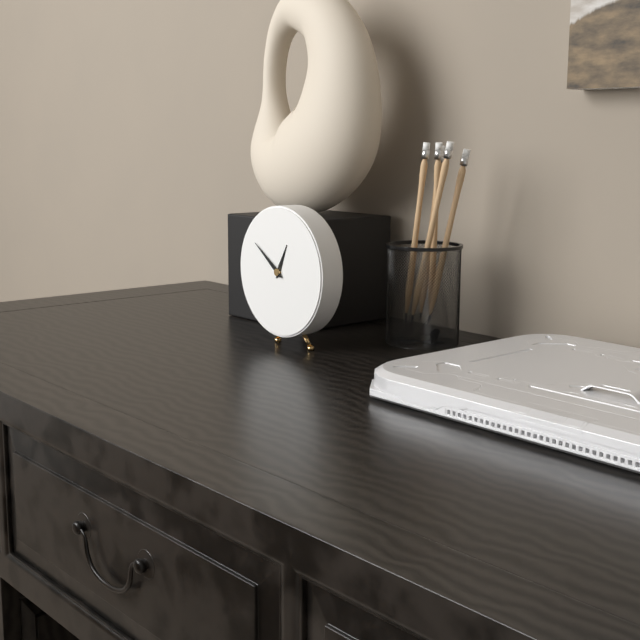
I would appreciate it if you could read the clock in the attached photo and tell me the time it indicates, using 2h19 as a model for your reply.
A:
12h51
